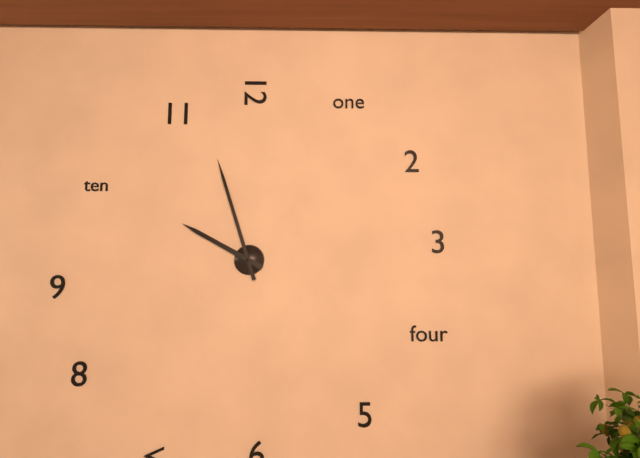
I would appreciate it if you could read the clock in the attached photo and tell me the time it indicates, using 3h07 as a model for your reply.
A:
9h57
